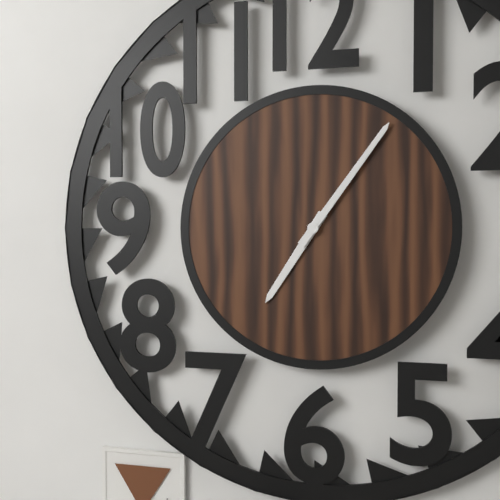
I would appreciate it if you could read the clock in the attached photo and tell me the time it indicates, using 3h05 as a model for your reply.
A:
7h06
